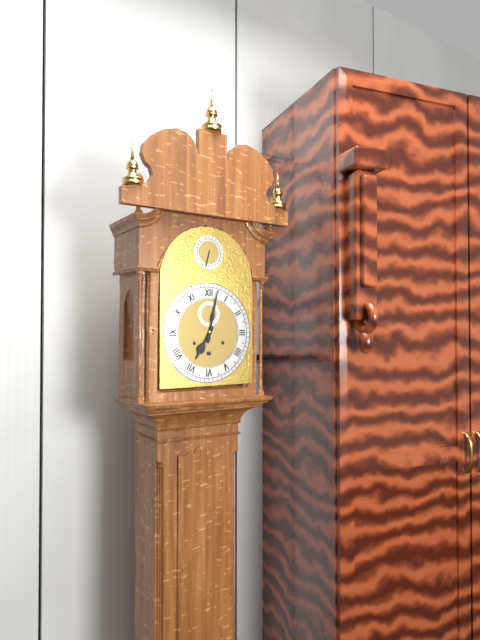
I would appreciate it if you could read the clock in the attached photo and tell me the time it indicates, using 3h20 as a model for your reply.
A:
7h02
